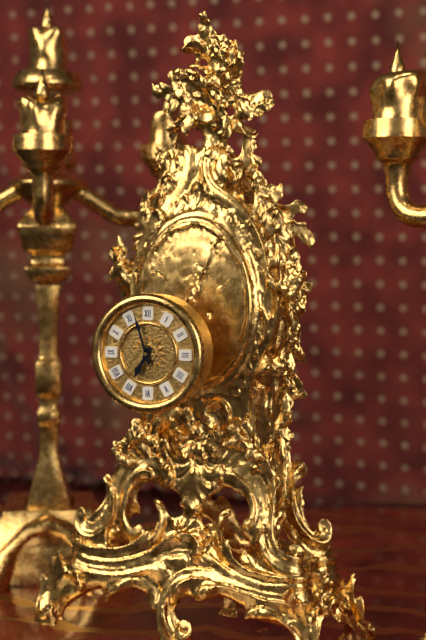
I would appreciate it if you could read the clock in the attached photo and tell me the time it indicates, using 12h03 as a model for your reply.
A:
6h57
